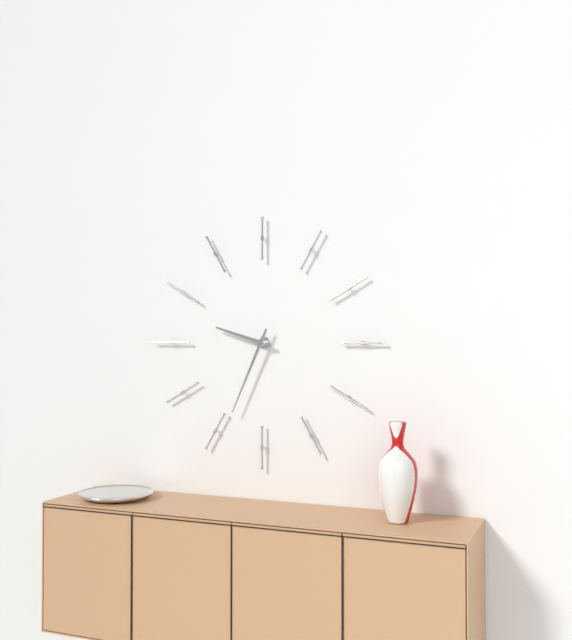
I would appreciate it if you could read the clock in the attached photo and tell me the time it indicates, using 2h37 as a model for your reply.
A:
9h34
